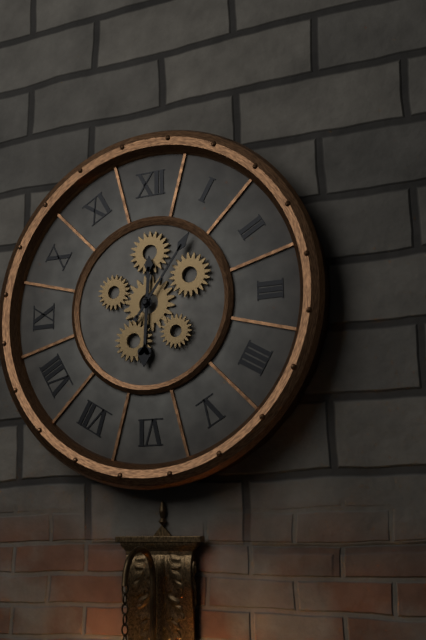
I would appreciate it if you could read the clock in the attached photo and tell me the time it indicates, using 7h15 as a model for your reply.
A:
6h06
